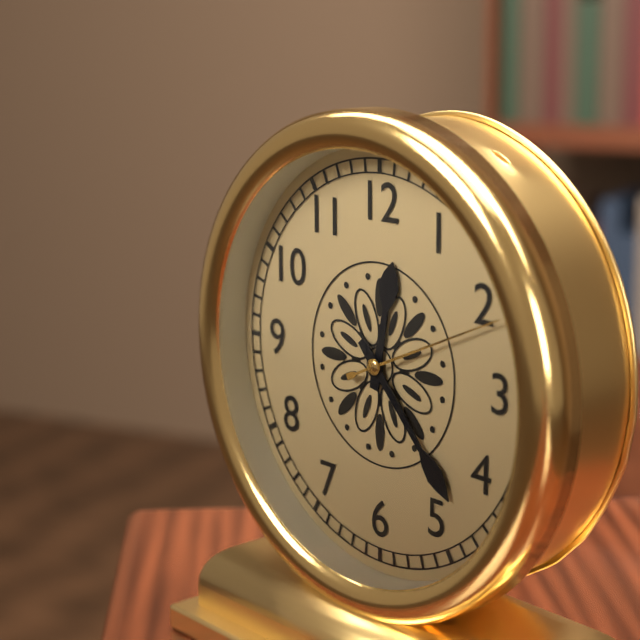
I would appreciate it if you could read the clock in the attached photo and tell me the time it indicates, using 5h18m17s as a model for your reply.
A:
12h23m11s
